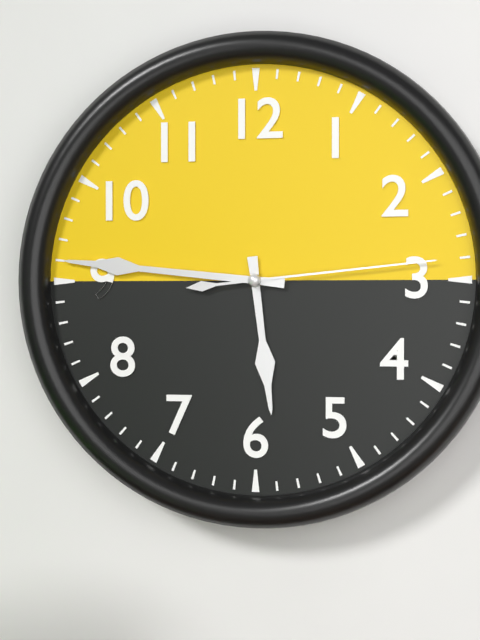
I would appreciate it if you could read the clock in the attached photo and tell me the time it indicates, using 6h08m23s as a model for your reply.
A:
5h46m14s
